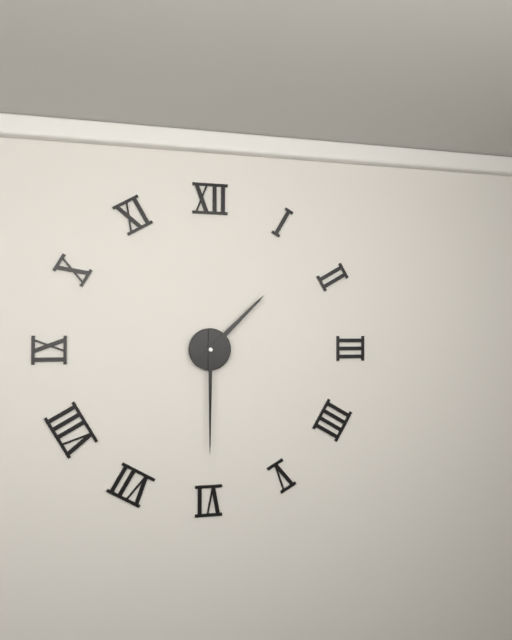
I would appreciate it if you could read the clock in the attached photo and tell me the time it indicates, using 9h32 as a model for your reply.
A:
1h30
